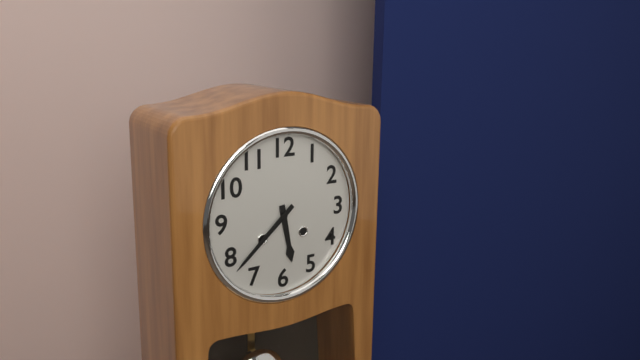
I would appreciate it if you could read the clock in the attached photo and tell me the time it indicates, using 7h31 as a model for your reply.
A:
5h38
